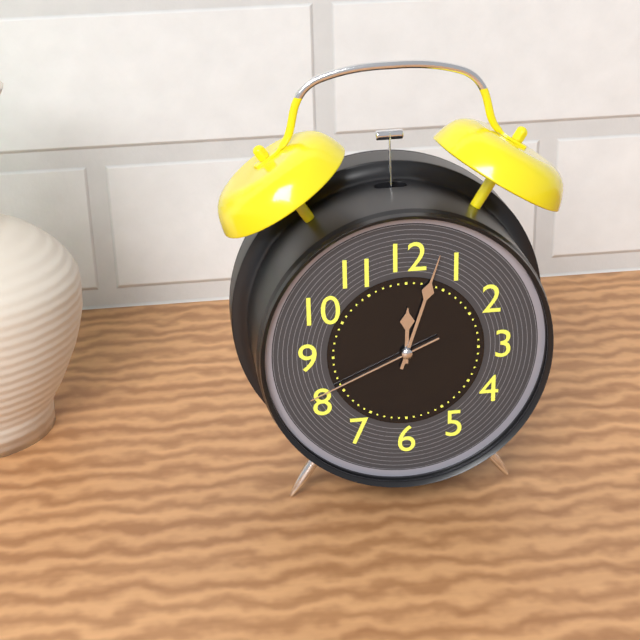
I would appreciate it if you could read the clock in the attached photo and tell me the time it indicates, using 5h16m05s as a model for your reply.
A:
12h03m41s
